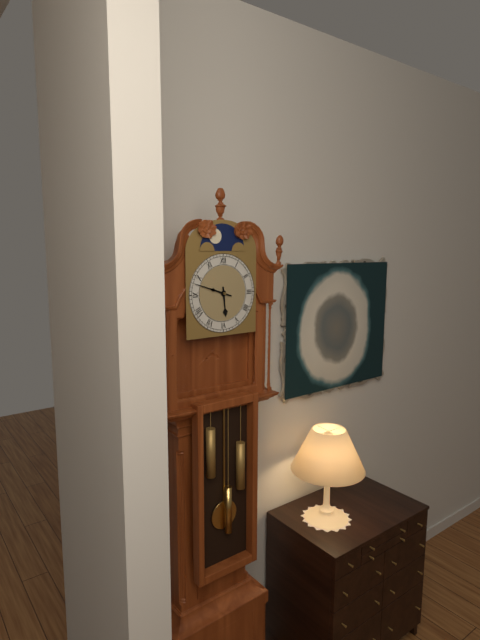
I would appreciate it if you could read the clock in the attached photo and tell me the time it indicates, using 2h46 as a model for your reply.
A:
5h48
